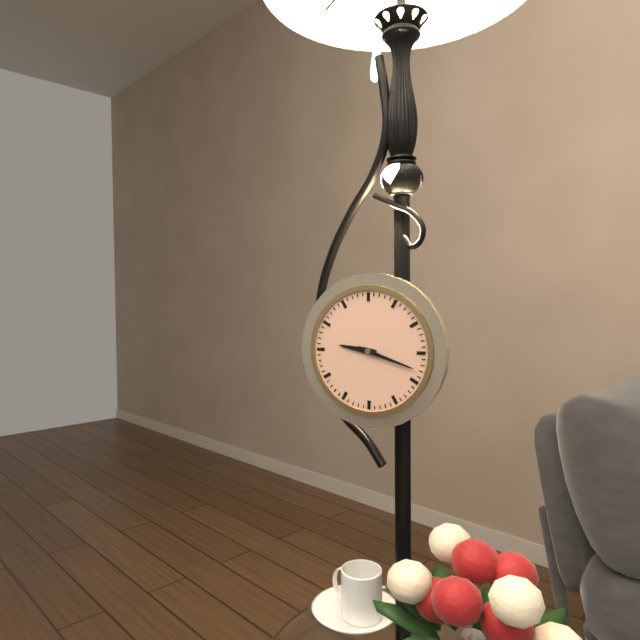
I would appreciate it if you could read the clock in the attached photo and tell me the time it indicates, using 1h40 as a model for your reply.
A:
9h18
